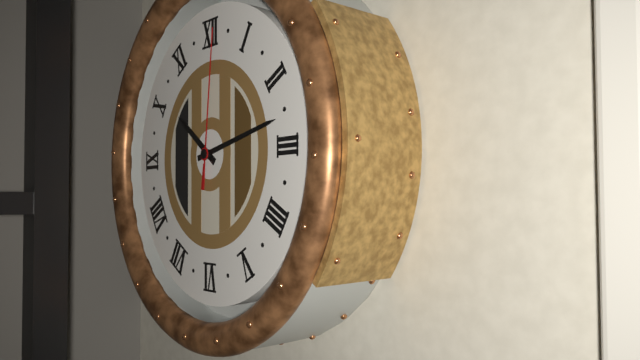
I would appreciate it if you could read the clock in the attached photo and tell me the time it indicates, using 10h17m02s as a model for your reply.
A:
10h13m01s
